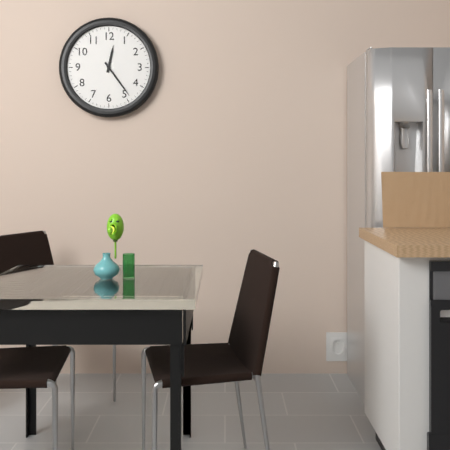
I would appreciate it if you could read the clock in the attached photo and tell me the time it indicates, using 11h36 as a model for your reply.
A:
12h24
